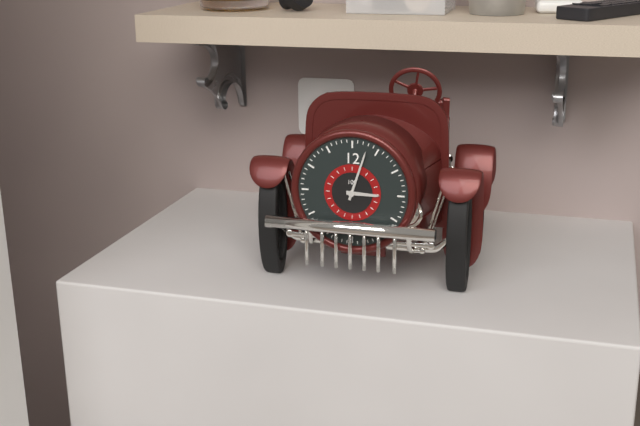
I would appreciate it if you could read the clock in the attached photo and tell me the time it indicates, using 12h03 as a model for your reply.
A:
3h03
